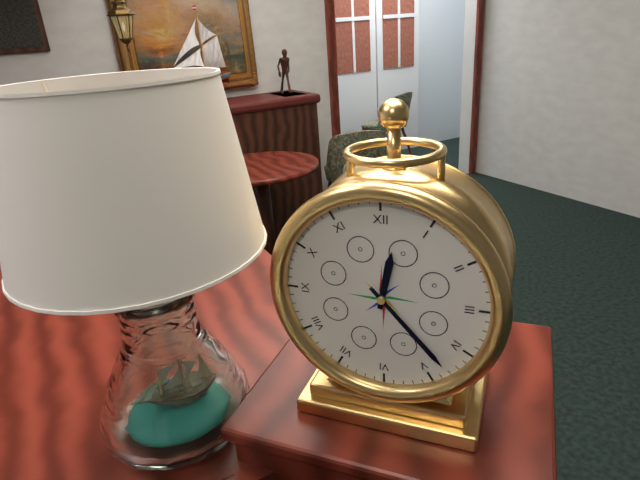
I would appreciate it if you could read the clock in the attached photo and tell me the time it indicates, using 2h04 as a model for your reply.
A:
12h23
